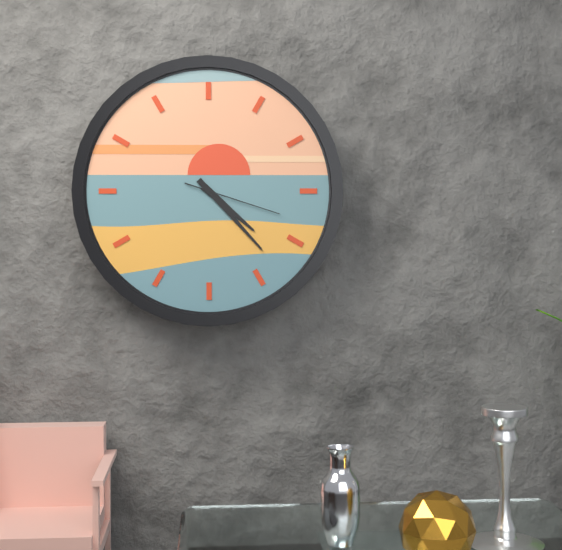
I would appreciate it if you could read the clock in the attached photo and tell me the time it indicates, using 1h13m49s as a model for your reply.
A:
4h23m18s
